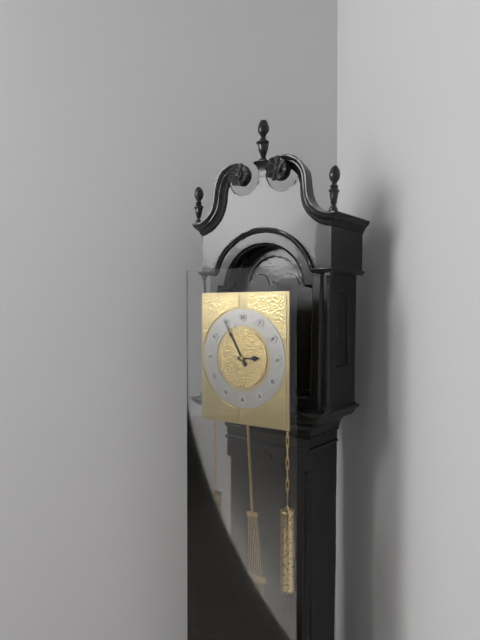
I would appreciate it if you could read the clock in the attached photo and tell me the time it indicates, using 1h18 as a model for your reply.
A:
2h55
